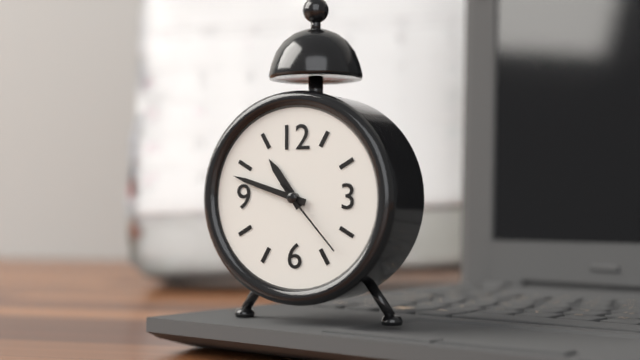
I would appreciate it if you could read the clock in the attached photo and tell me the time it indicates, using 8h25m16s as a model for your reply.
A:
10h48m23s
